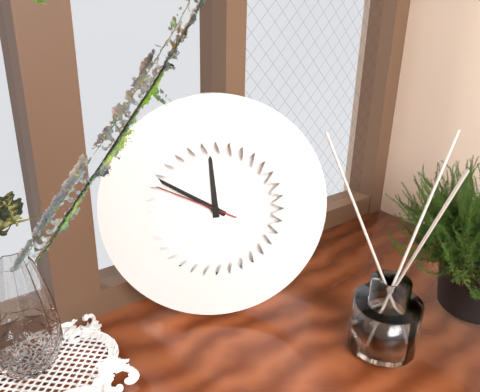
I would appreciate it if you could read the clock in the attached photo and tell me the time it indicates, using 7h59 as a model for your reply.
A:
11h50
